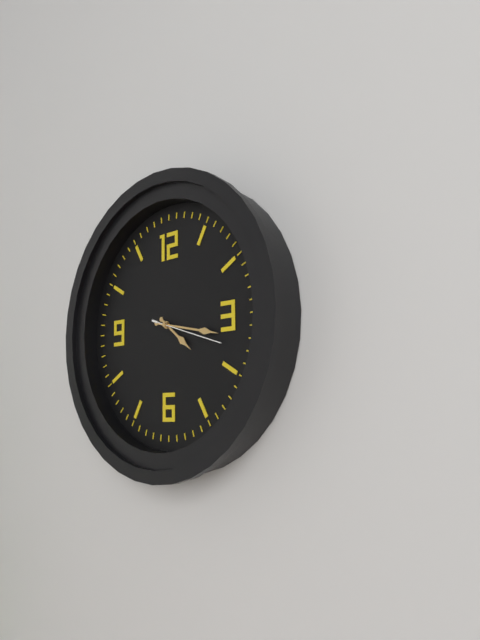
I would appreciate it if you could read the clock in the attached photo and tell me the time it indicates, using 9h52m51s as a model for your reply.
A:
4h17m18s
